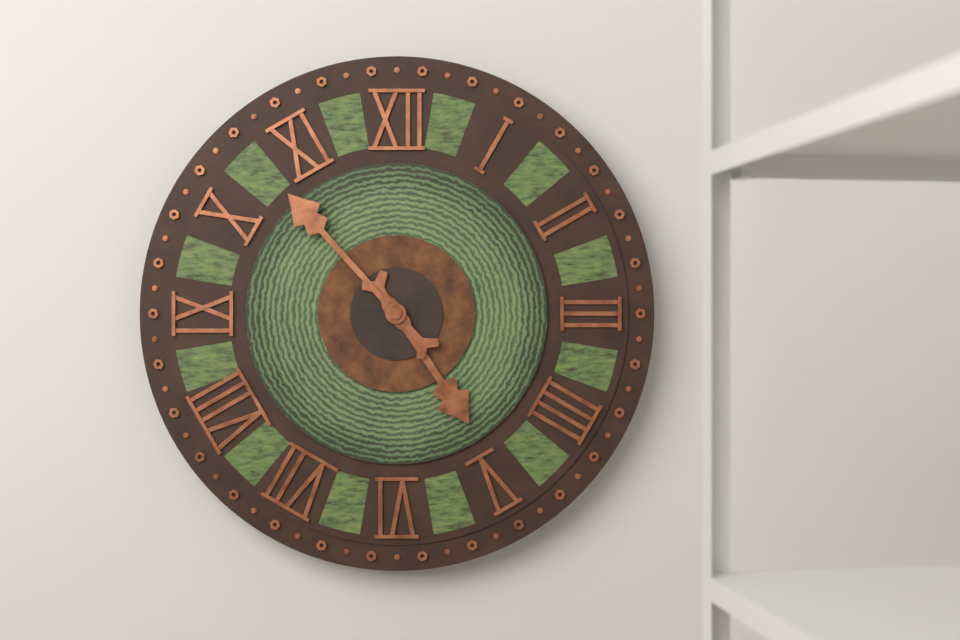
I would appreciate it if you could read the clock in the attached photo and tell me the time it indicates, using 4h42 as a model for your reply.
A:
4h53
